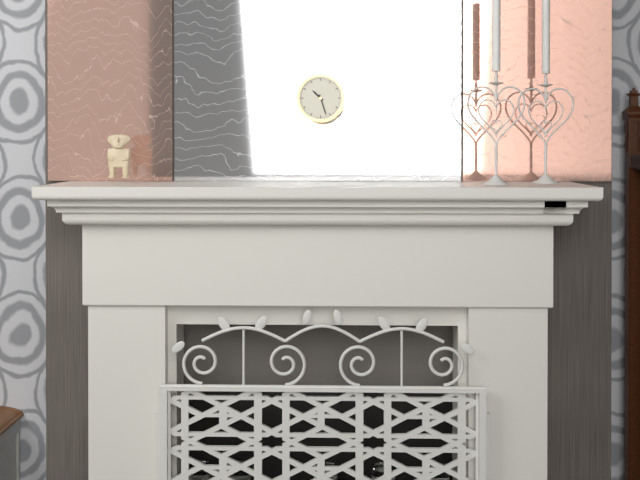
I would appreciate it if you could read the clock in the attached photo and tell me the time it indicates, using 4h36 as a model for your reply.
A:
10h27
